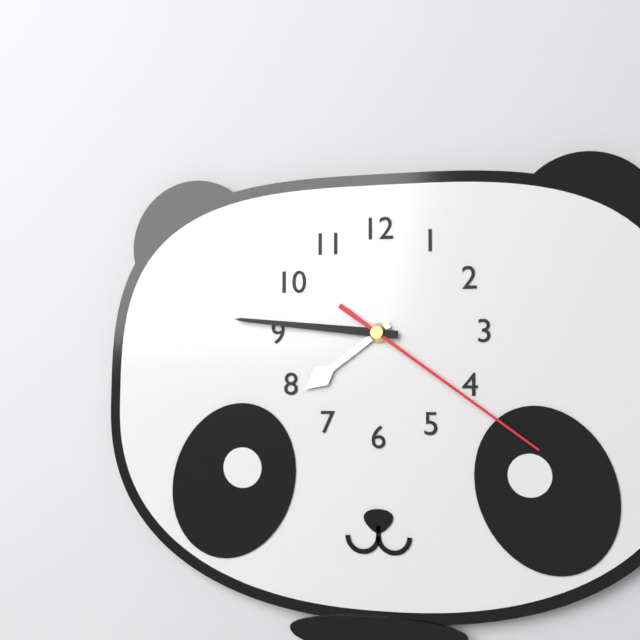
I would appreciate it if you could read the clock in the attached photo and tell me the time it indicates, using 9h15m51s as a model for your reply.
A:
7h46m21s
